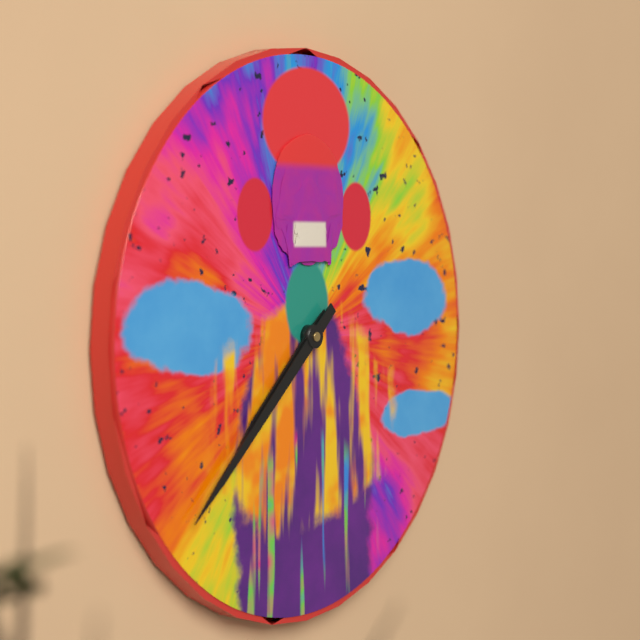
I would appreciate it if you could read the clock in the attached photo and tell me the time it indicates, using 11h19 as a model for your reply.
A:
7h38
